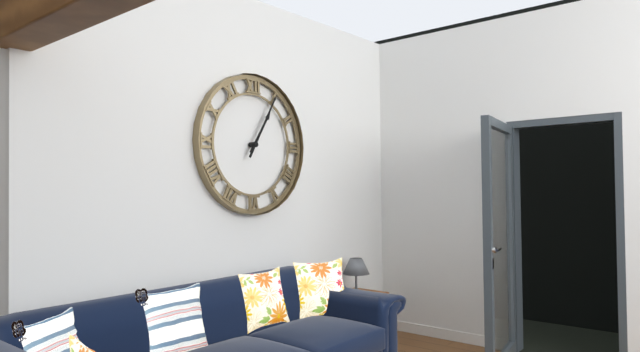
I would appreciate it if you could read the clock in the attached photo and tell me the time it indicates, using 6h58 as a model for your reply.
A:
1h05
